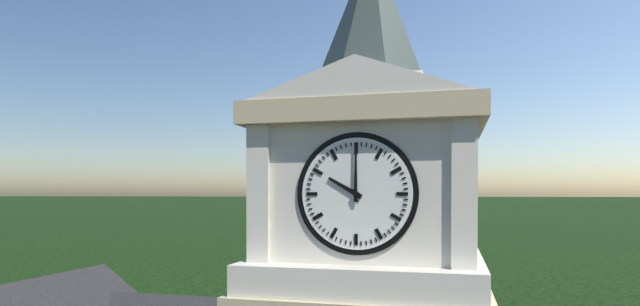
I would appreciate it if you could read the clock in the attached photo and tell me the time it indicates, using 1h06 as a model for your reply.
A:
10h00
